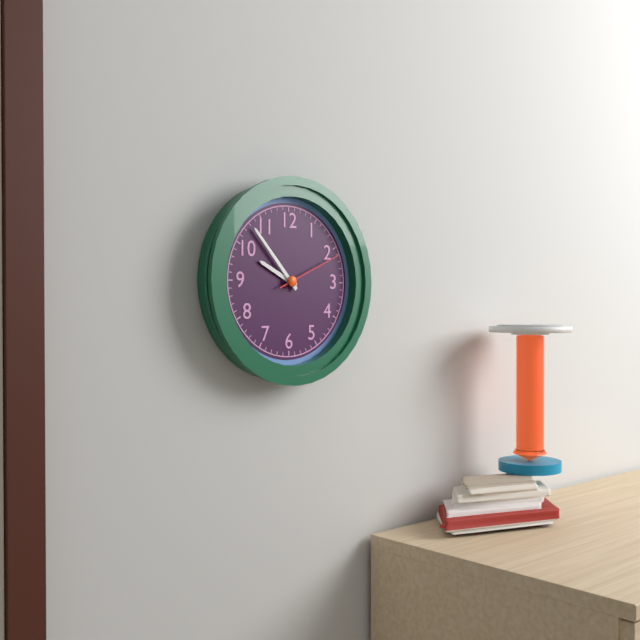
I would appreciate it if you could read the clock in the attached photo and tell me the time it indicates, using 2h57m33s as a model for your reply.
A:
9h53m11s
